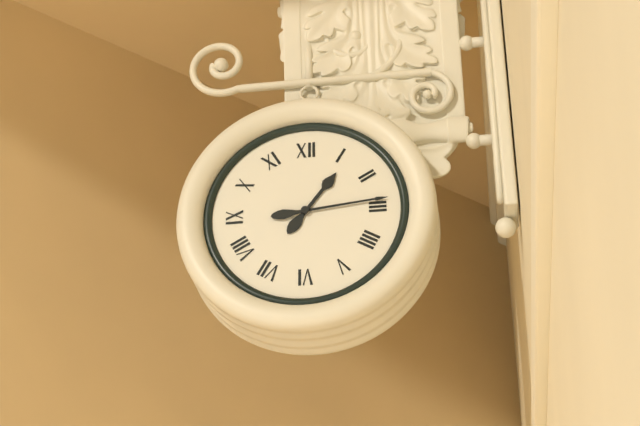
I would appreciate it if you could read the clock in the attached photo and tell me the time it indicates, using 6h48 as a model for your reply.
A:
1h14
